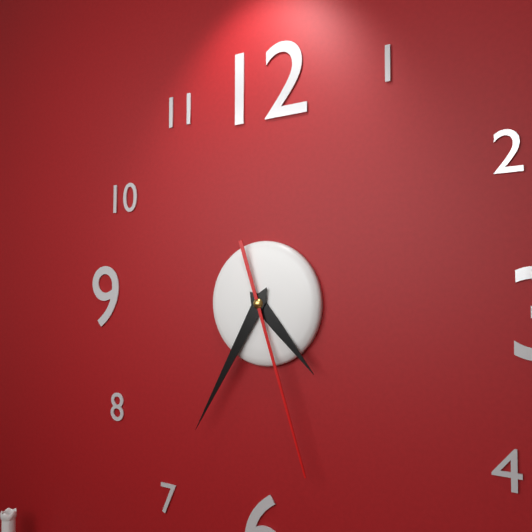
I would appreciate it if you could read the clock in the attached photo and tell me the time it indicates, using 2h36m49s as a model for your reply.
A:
4h35m27s
